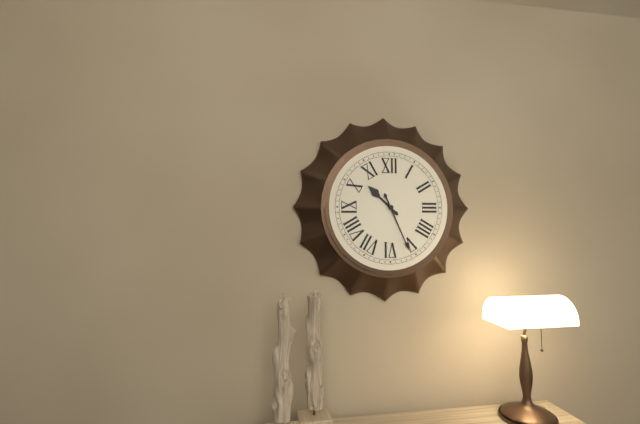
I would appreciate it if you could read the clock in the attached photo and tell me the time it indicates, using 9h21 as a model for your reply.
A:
10h26
